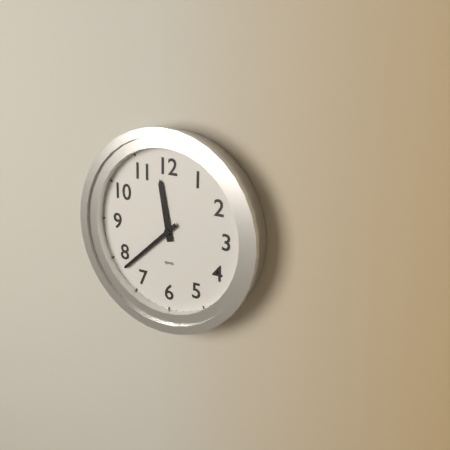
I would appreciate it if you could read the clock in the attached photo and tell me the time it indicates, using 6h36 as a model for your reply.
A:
11h38
